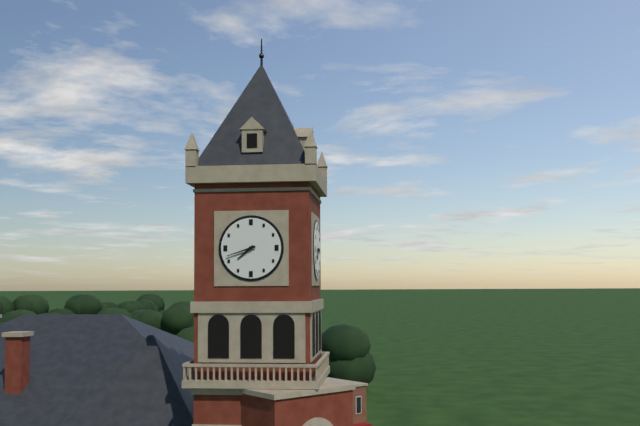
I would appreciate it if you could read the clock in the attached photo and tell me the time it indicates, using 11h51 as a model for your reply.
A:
7h42
